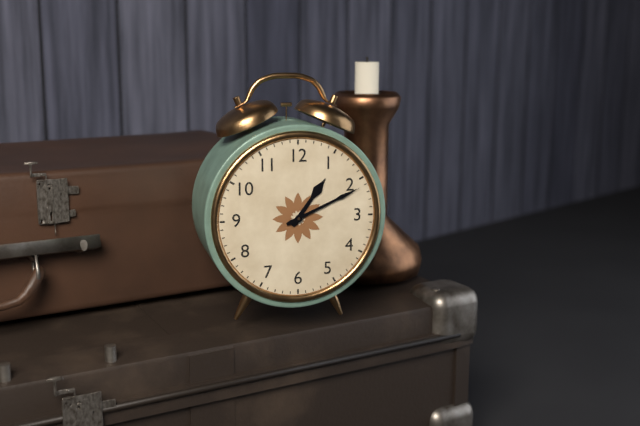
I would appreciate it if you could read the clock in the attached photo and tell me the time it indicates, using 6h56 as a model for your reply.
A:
1h11
